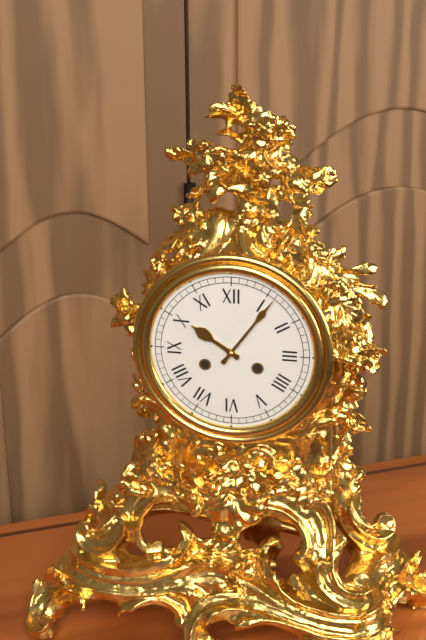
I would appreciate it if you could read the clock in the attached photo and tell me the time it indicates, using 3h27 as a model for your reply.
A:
10h06
